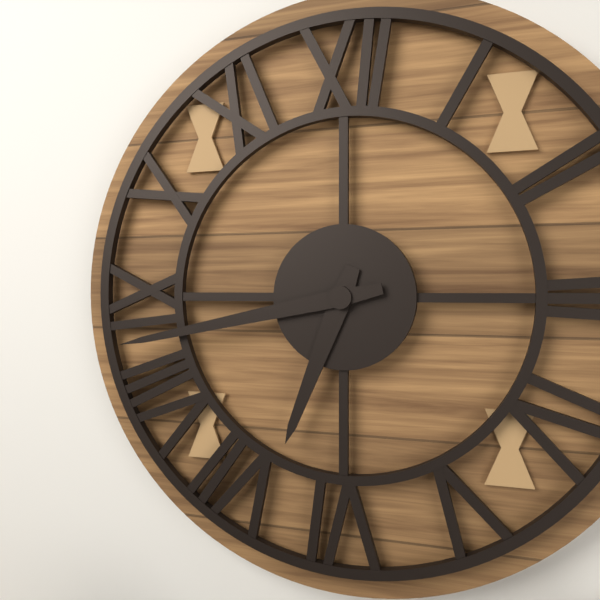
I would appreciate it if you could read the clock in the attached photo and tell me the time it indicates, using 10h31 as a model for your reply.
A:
6h43
